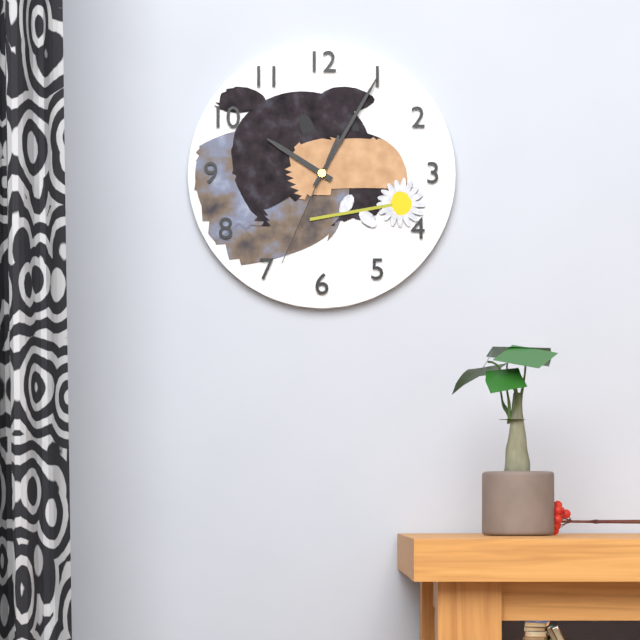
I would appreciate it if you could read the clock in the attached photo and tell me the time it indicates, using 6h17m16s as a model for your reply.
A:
10h05m34s
